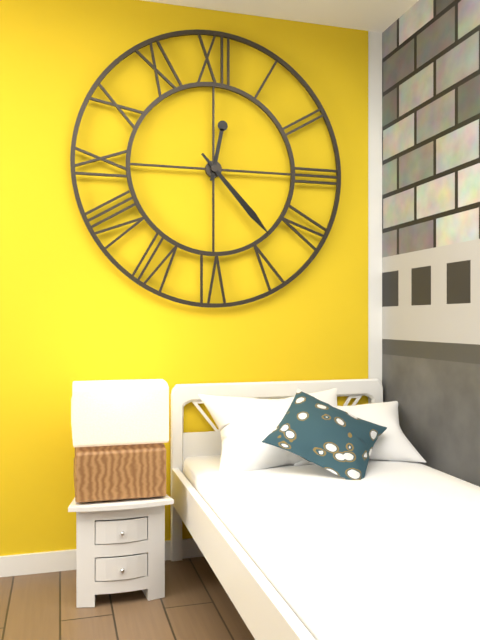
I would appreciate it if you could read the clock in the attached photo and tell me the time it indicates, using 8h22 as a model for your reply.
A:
12h23
